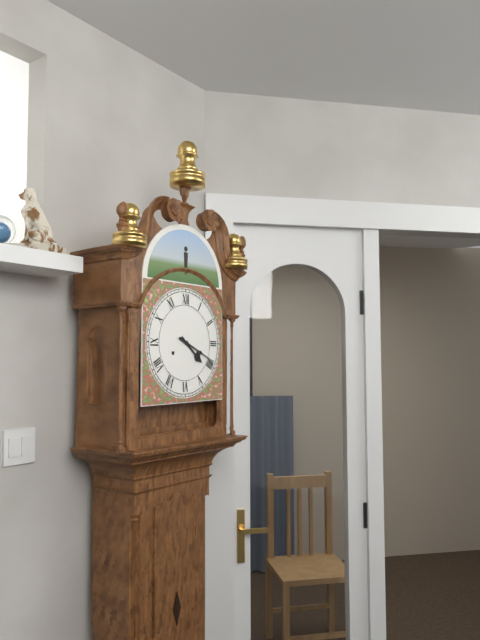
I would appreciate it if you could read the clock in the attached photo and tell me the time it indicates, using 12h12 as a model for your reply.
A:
4h19
